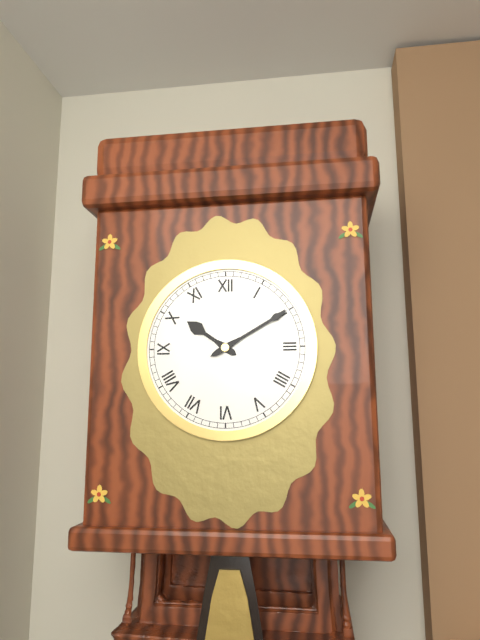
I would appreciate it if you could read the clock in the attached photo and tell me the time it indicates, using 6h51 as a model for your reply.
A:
10h10
